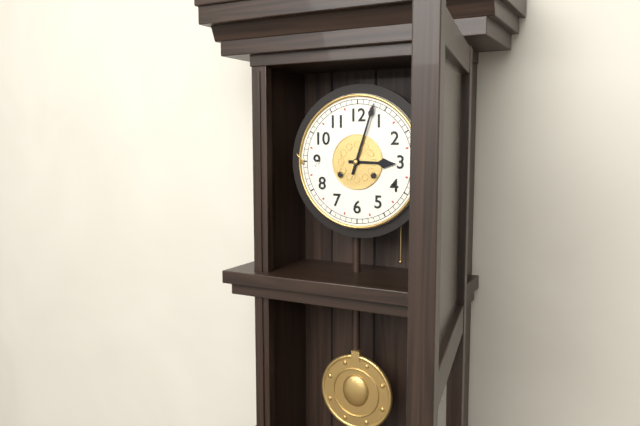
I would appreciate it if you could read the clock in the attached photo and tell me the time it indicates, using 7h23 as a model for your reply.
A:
3h03
